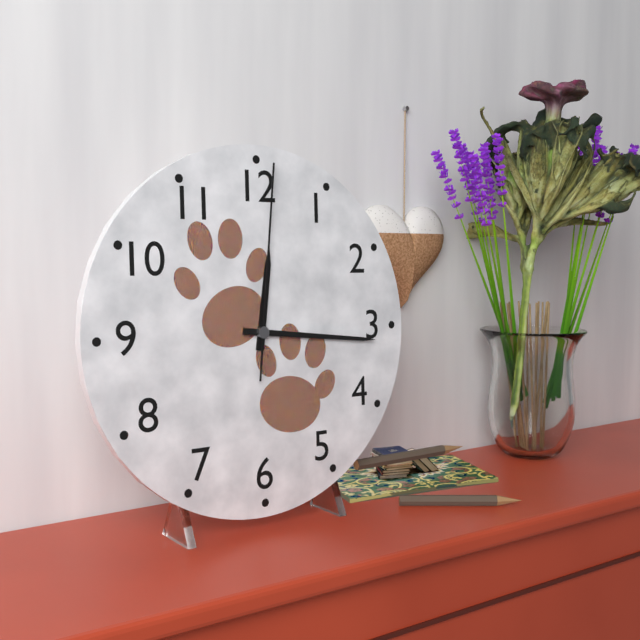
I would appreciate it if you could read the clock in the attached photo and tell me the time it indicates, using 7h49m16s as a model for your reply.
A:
12h16m01s
